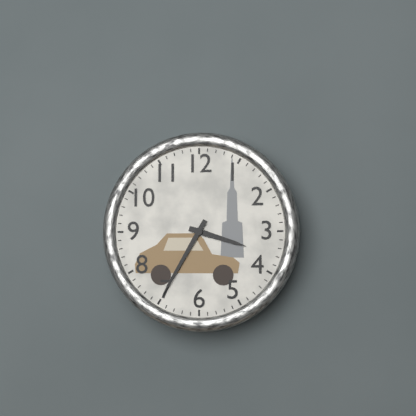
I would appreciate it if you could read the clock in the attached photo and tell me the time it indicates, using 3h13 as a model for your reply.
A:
3h35
